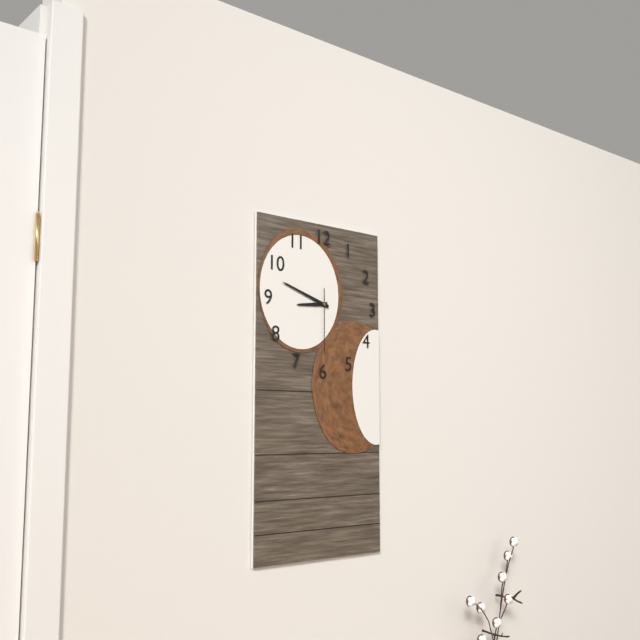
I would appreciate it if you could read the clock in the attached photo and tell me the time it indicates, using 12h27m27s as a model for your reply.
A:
8h48m30s
